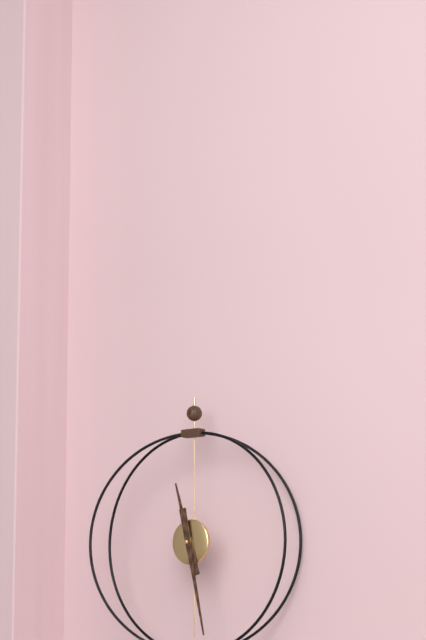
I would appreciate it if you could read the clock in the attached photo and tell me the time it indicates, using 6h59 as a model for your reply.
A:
11h28
